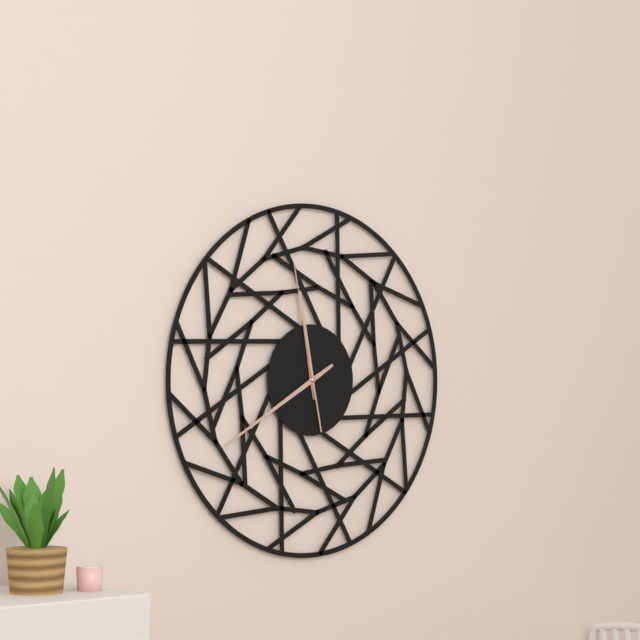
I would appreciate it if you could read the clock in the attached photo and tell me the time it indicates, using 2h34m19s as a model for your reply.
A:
11h40m58s
